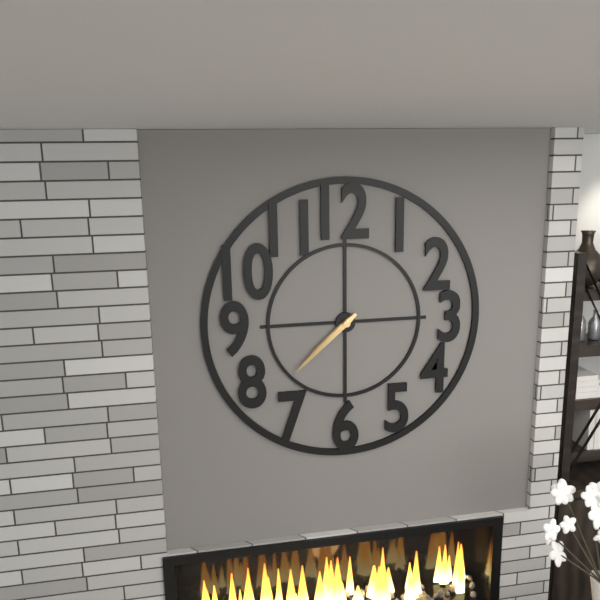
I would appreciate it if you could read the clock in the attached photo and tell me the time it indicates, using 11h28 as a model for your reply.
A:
7h38
